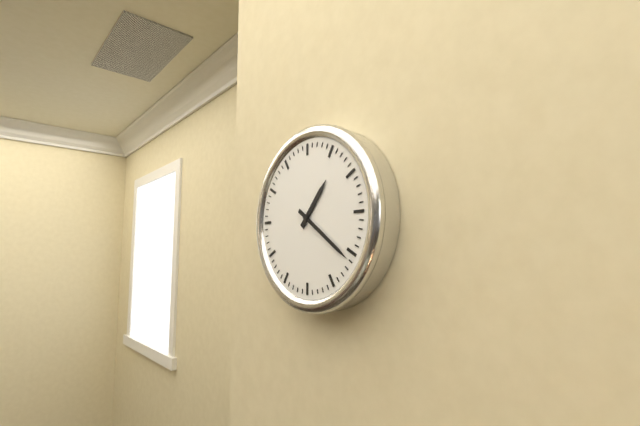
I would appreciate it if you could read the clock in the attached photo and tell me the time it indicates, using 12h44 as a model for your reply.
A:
1h21
